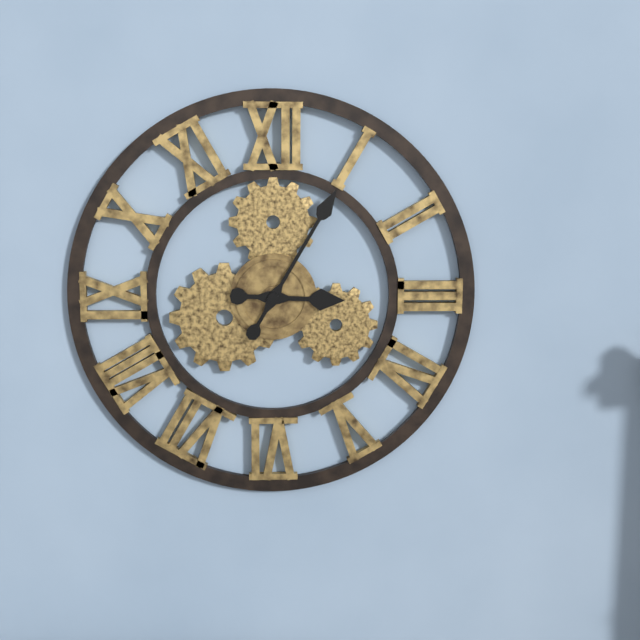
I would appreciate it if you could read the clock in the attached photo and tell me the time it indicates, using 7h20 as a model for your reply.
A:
3h05
